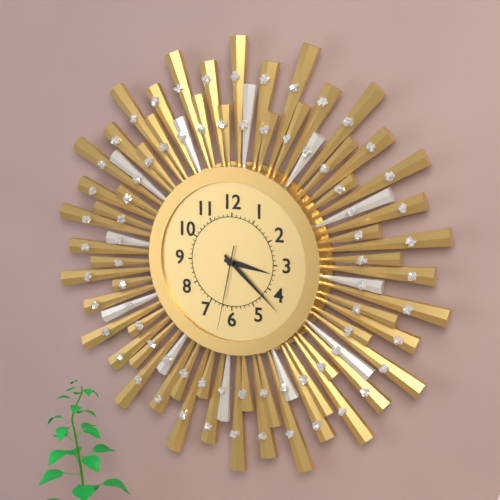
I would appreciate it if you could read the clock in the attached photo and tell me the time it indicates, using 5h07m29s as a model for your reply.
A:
3h22m32s
